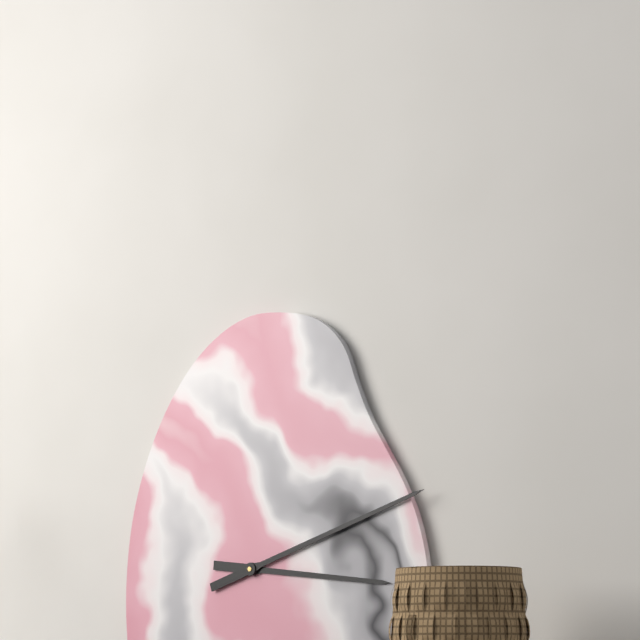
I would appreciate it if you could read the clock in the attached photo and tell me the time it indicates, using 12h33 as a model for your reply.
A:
3h12
